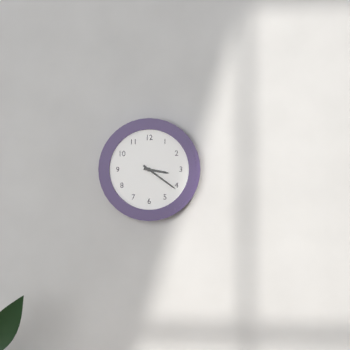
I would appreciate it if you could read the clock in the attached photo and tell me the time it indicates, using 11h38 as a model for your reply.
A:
3h21
